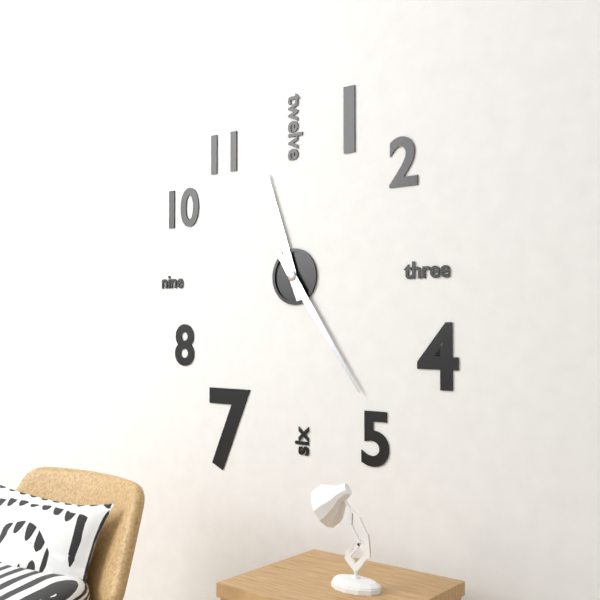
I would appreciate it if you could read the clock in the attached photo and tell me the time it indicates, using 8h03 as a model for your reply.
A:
11h24
